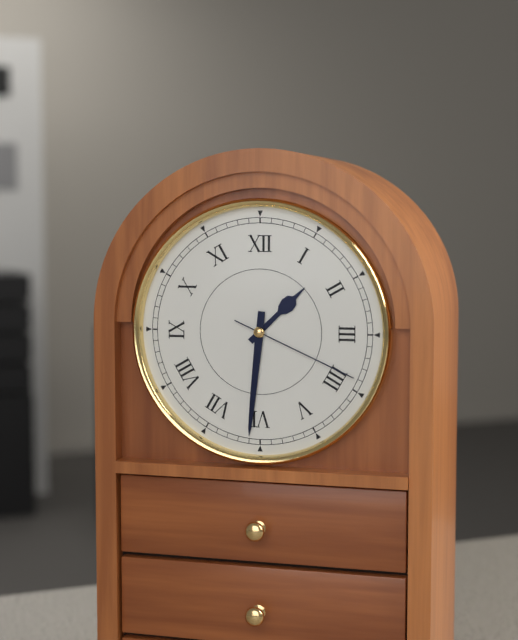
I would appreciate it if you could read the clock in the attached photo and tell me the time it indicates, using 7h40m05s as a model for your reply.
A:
1h31m19s
